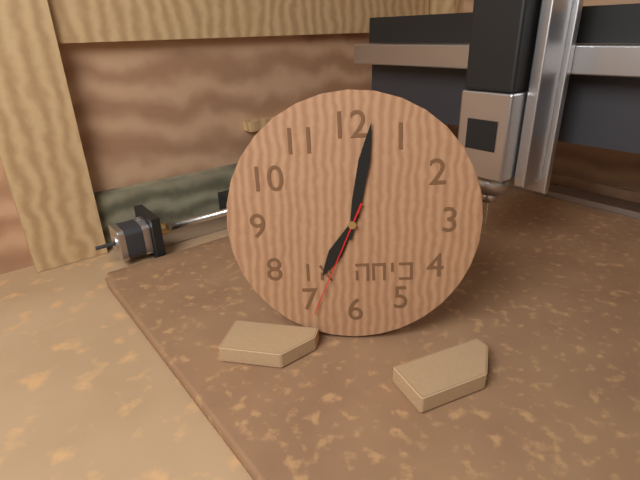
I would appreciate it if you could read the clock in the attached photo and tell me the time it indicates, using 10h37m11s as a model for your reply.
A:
7h02m34s
